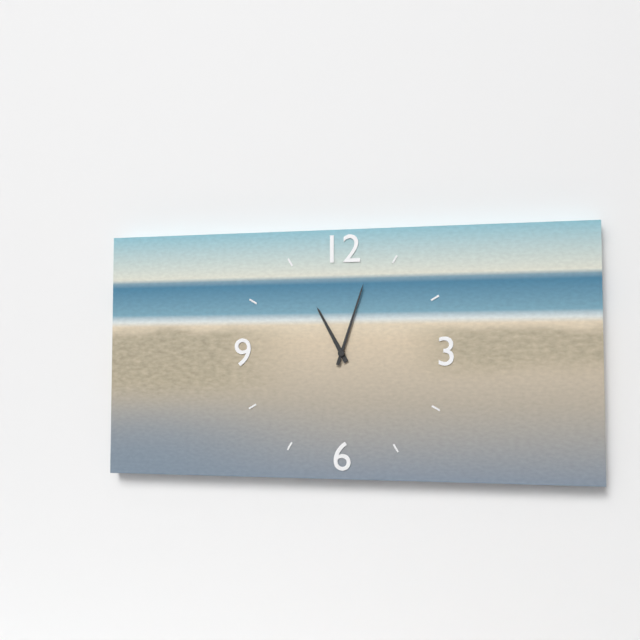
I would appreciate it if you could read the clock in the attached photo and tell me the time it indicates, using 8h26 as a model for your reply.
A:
11h03
